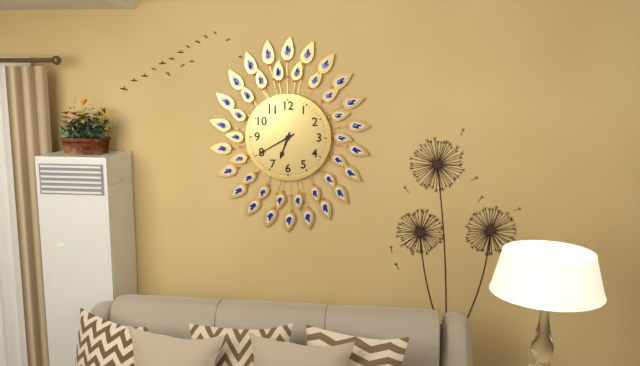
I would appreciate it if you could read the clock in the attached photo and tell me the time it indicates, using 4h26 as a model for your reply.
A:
6h40
